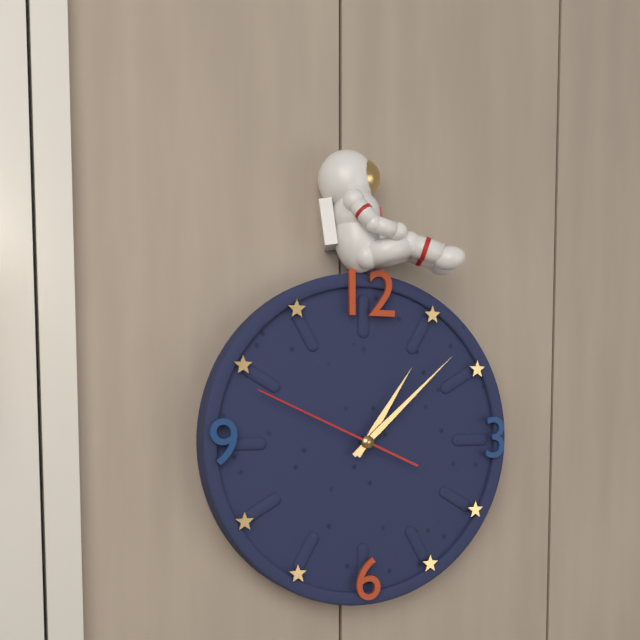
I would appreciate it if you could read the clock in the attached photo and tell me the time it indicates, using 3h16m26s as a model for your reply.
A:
1h08m49s
